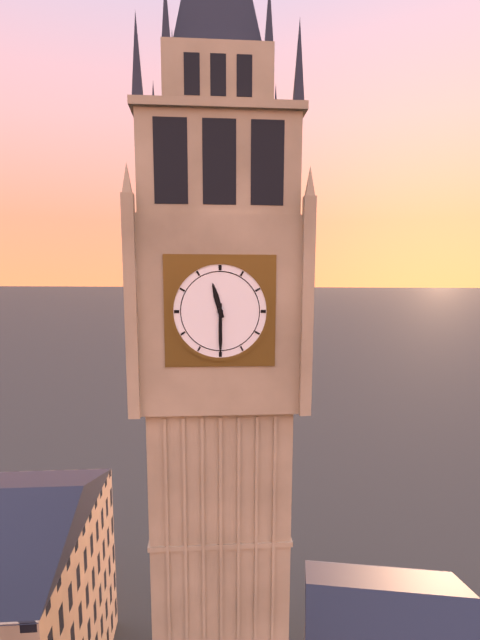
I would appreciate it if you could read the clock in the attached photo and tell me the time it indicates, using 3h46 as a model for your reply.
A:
11h30
